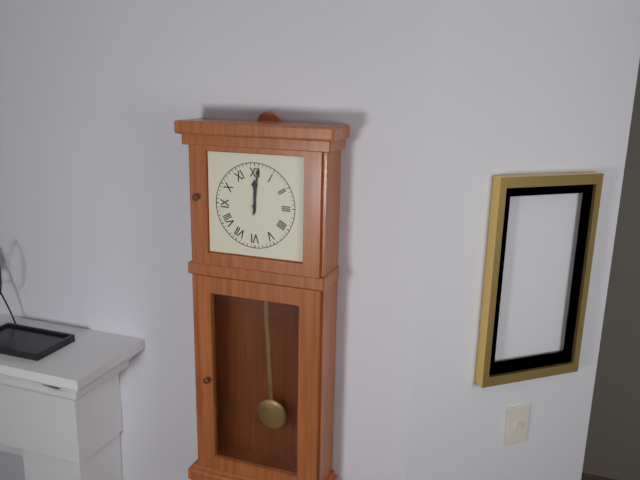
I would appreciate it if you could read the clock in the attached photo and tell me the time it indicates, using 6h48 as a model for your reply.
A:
12h01
